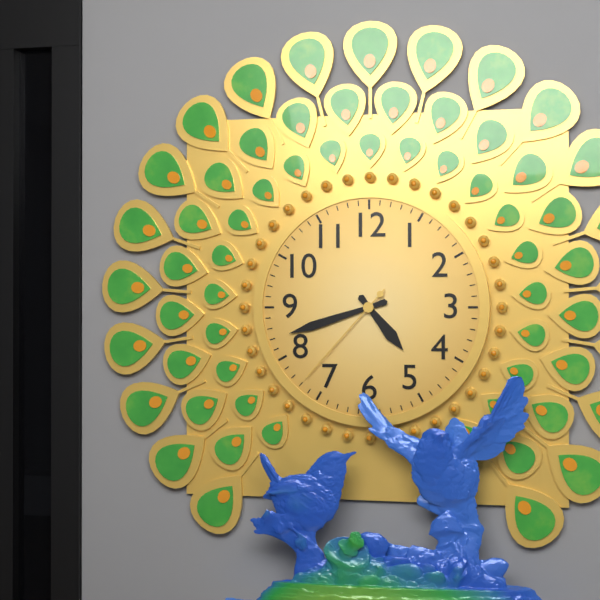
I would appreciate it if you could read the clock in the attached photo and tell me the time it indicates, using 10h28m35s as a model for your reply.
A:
4h42m37s
